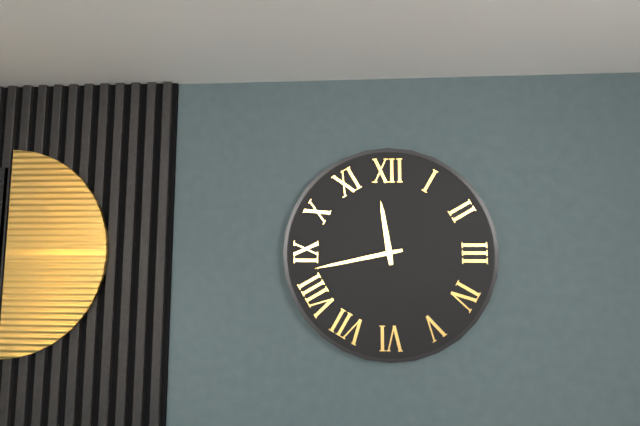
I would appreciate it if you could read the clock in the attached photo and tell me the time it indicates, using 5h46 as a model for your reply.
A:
11h43
